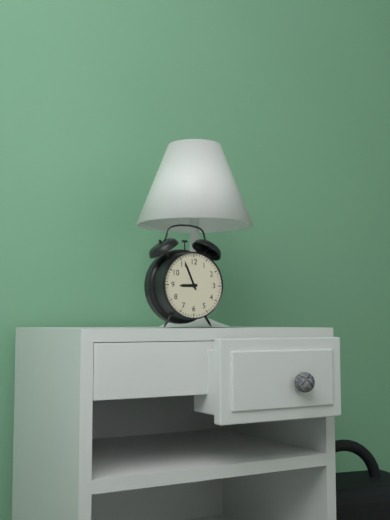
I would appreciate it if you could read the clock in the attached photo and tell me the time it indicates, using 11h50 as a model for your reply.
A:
8h56
